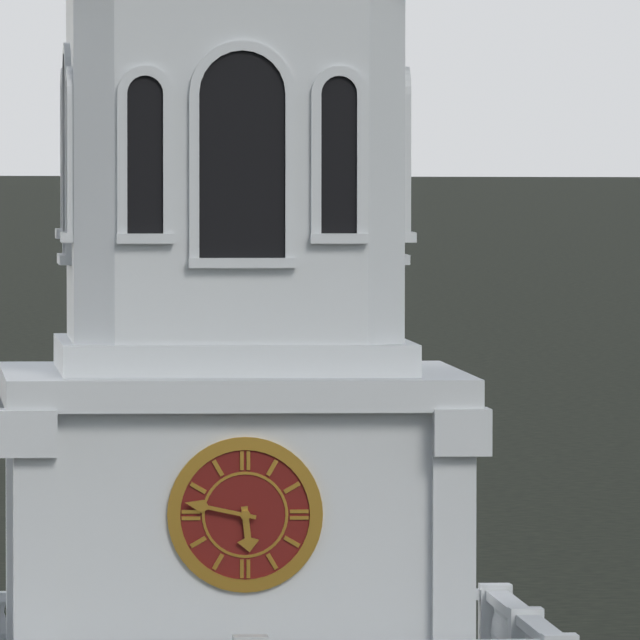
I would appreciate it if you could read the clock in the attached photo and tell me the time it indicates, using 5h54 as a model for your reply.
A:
5h47
